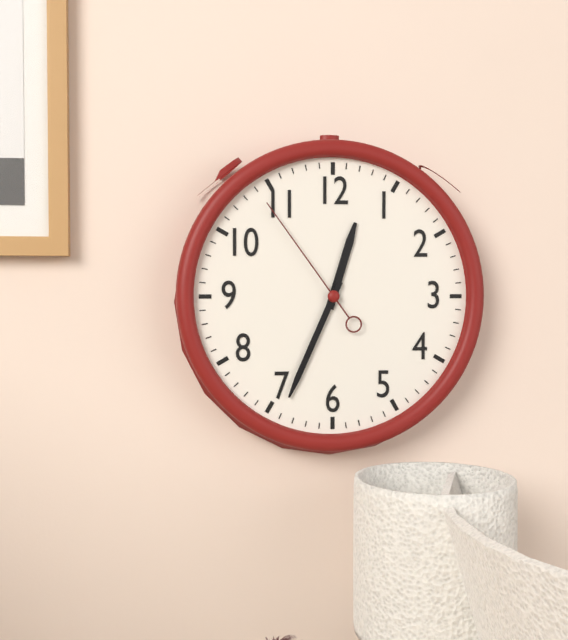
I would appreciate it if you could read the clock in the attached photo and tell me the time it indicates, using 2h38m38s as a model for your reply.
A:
12h34m54s
